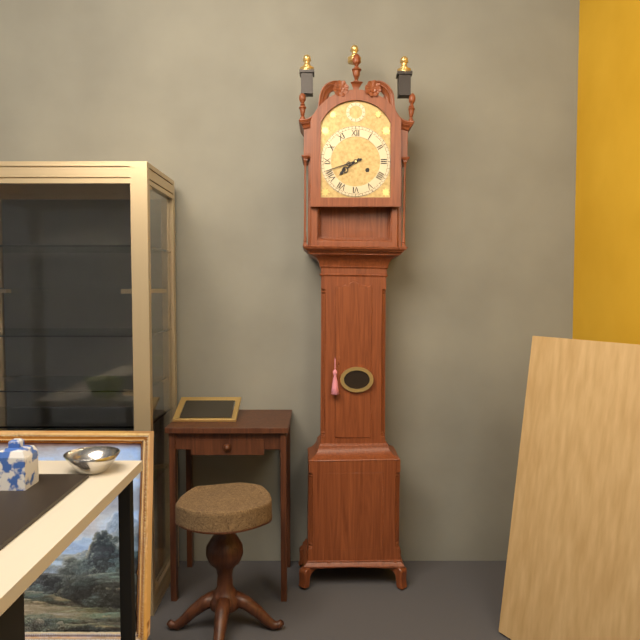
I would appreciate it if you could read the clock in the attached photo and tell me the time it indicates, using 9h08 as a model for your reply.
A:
7h42
